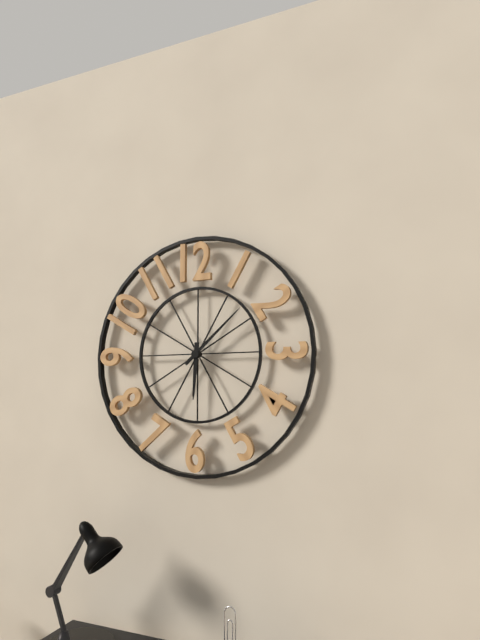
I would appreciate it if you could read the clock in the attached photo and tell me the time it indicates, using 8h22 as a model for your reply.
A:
6h08
